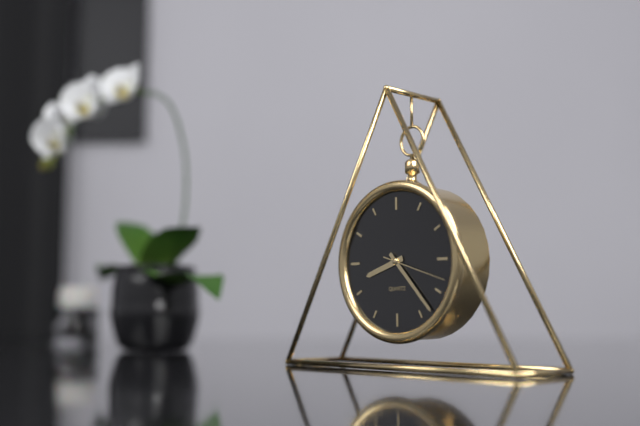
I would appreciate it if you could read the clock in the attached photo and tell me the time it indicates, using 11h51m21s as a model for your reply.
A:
8h23m18s
